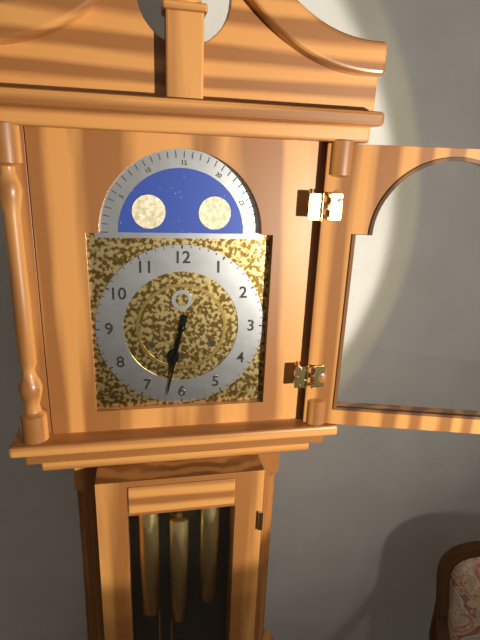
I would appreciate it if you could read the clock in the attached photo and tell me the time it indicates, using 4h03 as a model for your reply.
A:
6h32
